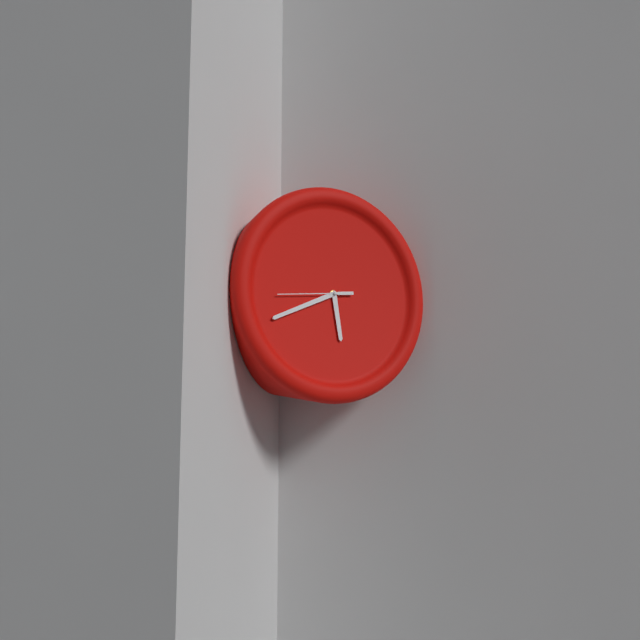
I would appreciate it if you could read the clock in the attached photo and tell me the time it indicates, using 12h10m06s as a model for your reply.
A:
5h41m44s
